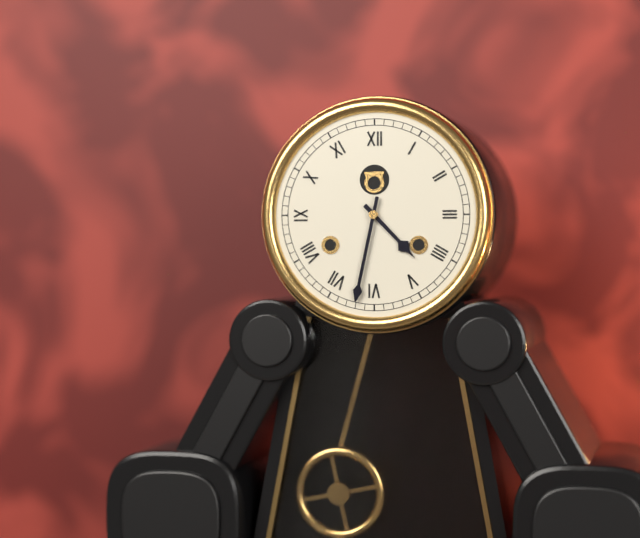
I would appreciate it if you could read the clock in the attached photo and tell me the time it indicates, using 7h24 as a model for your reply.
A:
4h32
